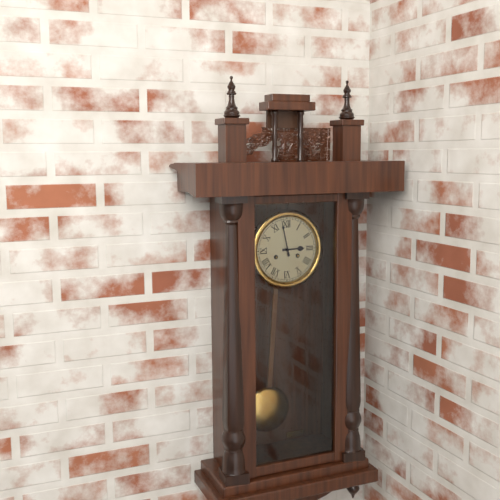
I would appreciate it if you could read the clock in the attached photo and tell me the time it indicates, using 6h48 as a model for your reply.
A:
2h58
